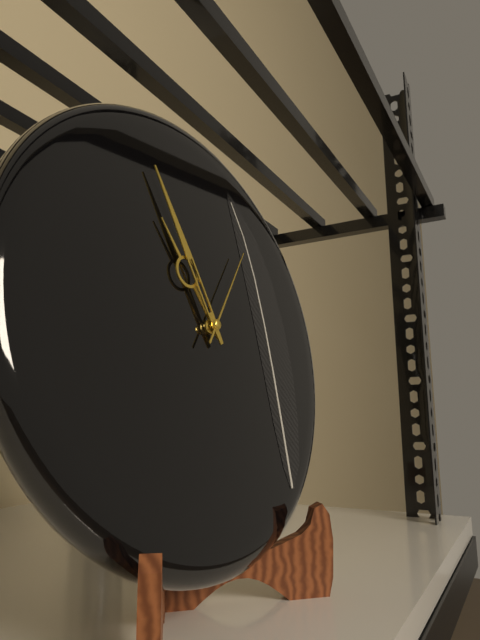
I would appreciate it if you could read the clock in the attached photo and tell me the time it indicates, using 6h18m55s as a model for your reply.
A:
10h56m06s
